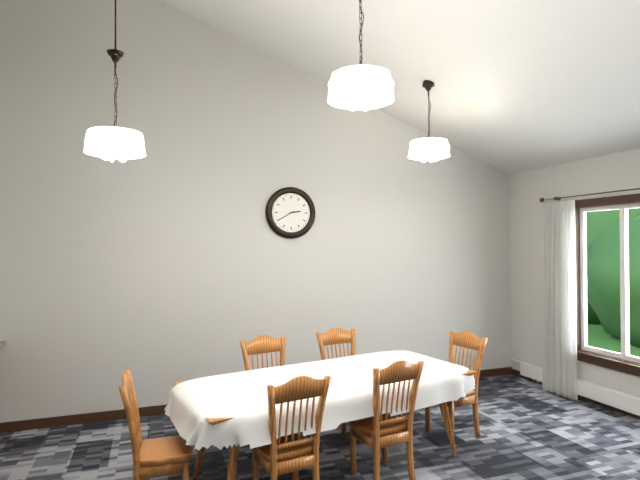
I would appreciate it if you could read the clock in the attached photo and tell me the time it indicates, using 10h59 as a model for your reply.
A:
2h40
